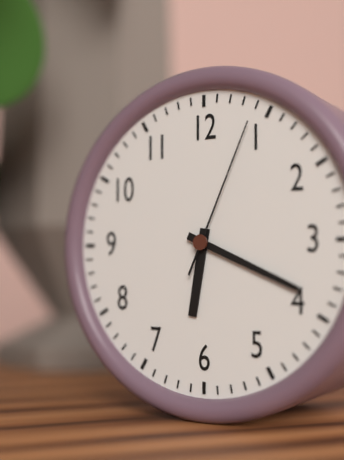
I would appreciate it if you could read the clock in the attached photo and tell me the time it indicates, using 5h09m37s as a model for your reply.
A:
6h19m04s
